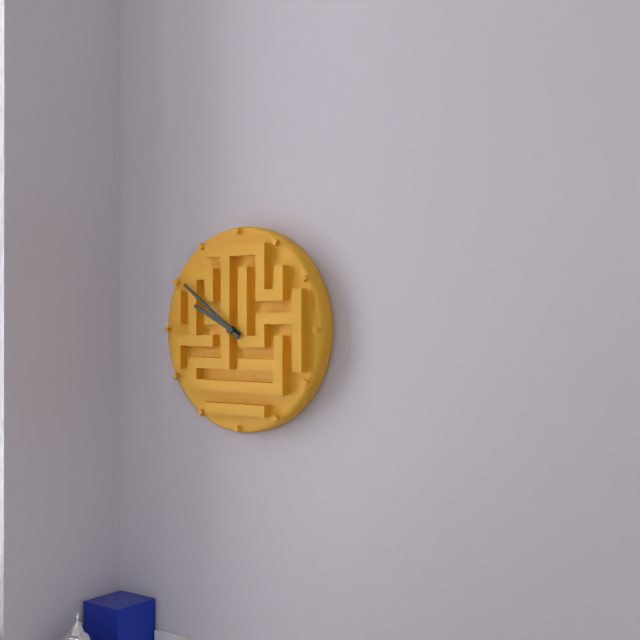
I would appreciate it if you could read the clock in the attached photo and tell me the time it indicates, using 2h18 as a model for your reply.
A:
9h51
